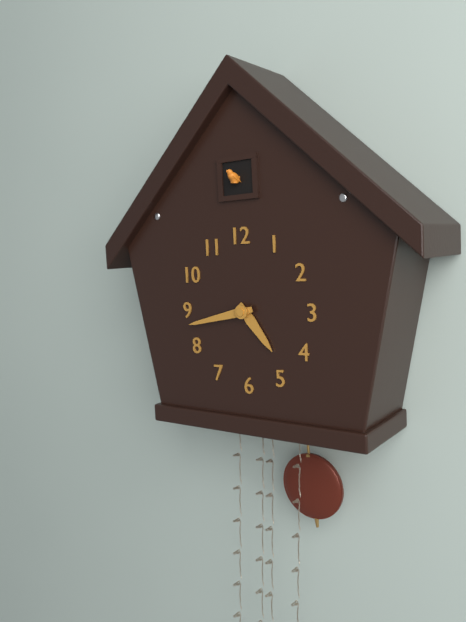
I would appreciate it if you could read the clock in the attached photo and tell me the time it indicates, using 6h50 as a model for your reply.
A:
4h43
